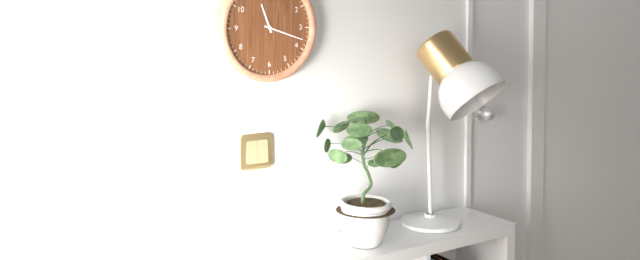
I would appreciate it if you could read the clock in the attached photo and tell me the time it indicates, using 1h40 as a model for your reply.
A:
11h18
